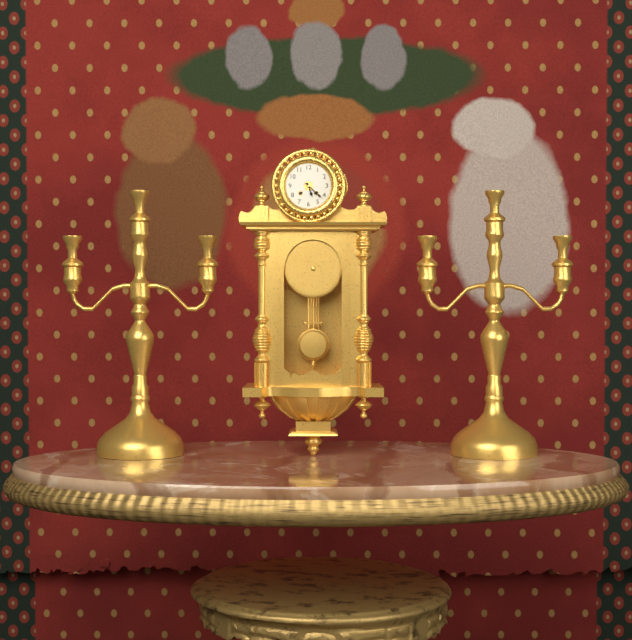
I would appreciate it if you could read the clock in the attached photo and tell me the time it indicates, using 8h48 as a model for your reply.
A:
5h22
